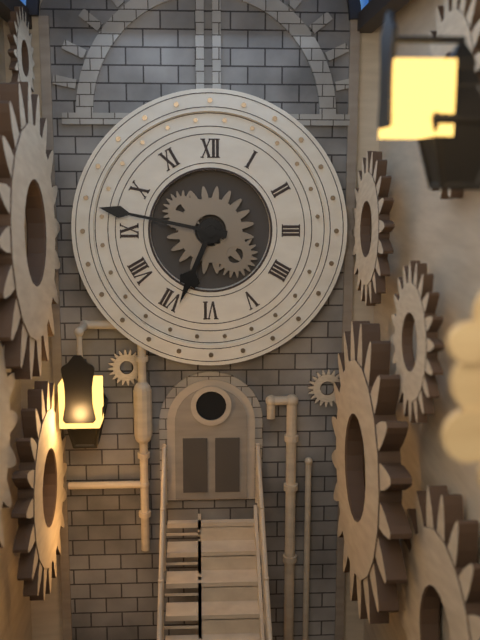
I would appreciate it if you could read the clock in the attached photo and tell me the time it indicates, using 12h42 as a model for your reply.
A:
6h47
